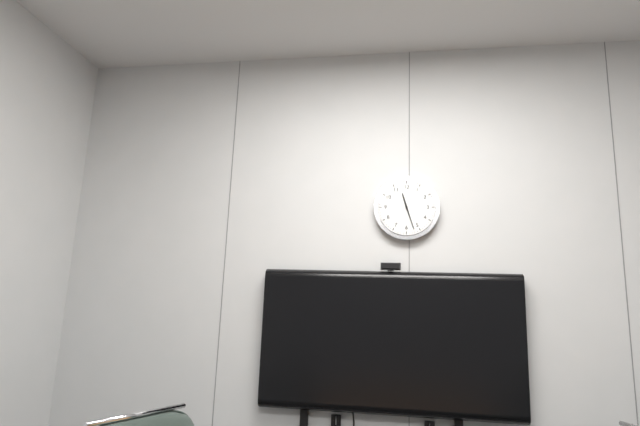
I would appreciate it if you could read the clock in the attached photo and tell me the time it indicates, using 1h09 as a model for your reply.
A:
11h27
